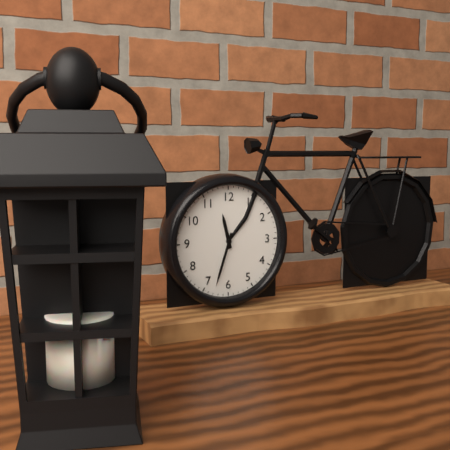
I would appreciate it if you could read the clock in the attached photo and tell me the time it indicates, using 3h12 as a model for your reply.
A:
11h33
